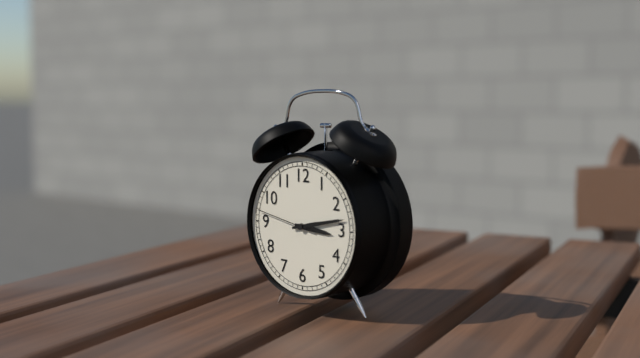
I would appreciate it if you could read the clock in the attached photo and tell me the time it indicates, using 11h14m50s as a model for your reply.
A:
3h13m47s
